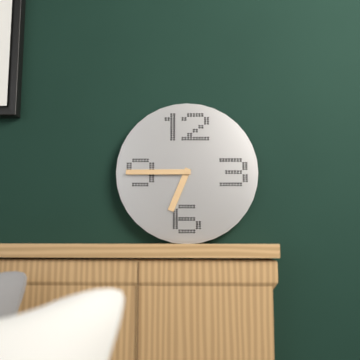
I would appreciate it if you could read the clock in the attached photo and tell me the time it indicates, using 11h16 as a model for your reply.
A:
6h45
